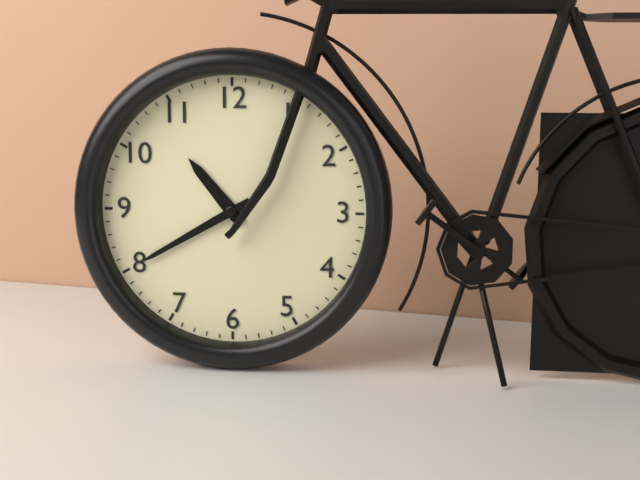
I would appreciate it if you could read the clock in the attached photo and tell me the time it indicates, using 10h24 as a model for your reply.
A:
10h40
